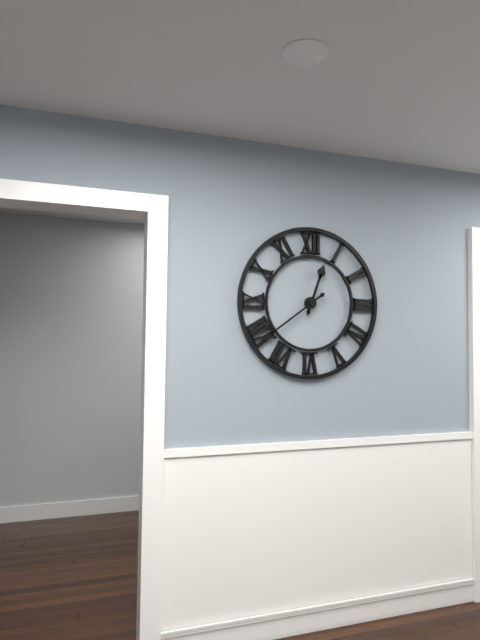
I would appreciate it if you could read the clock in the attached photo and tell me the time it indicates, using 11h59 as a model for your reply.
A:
12h39
